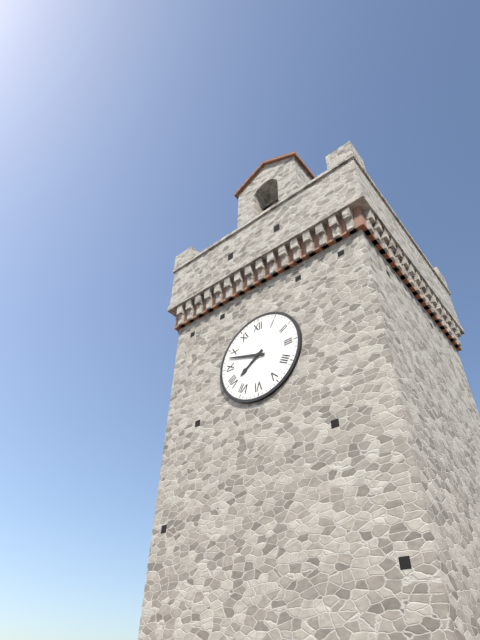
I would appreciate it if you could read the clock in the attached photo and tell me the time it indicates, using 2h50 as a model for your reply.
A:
7h48
